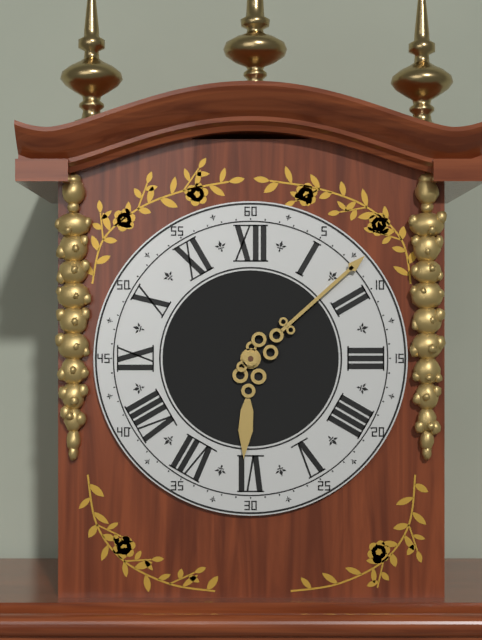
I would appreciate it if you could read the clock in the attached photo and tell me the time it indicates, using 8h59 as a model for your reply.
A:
6h08
